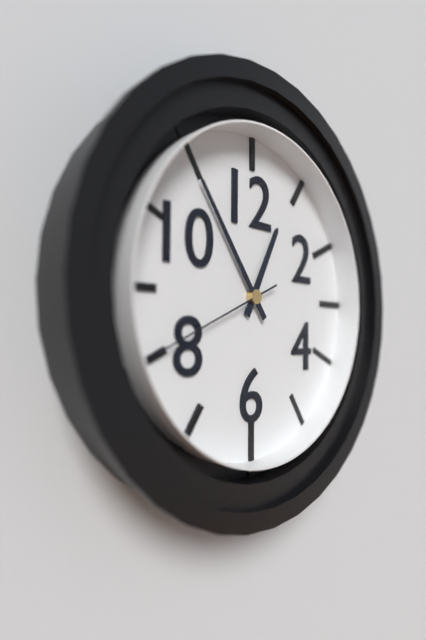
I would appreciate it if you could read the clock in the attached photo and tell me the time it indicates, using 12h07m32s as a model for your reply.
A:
12h54m41s
